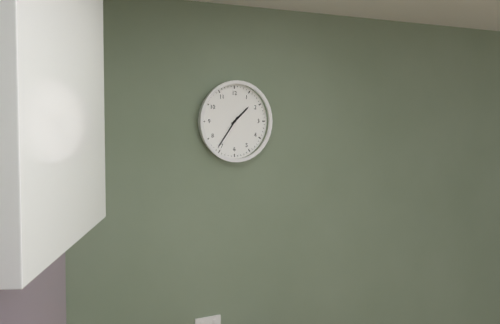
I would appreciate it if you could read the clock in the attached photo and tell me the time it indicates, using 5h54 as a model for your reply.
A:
1h36
